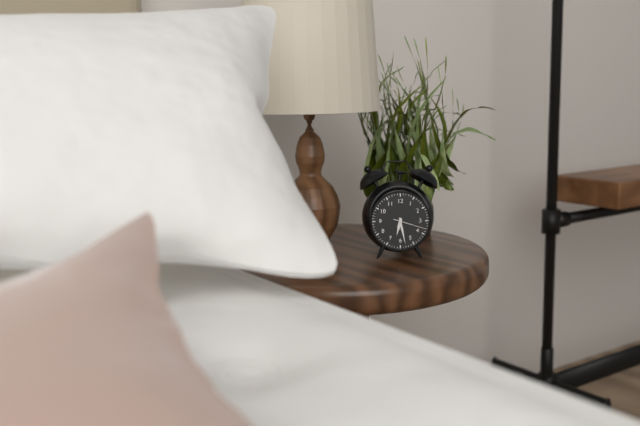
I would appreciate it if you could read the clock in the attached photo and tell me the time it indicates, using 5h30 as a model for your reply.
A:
6h28
